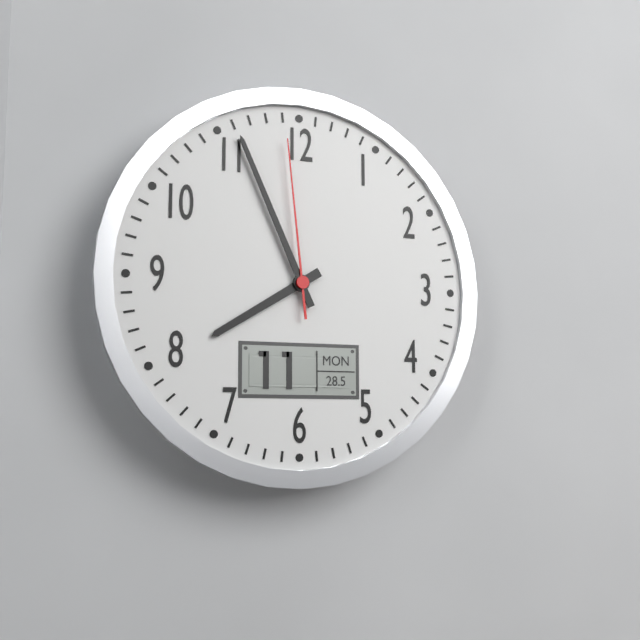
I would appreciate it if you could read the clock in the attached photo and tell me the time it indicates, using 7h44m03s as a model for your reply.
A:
7h56m59s
